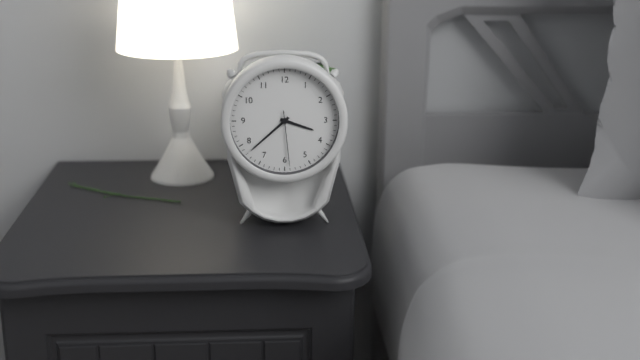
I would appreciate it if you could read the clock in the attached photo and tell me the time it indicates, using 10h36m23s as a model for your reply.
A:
3h38m29s
